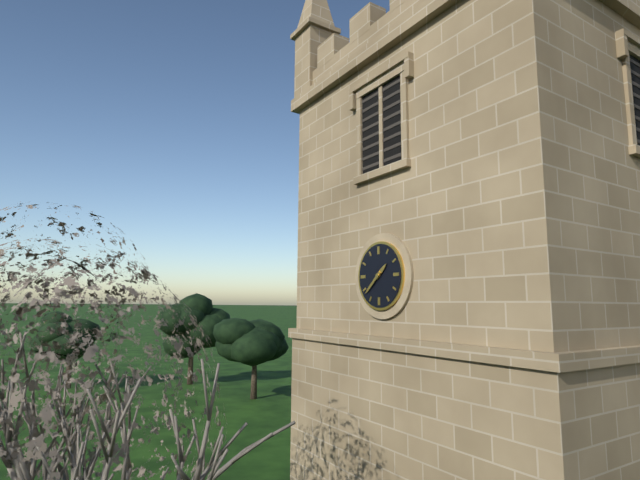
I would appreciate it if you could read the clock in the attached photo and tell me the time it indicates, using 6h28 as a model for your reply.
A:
1h38
